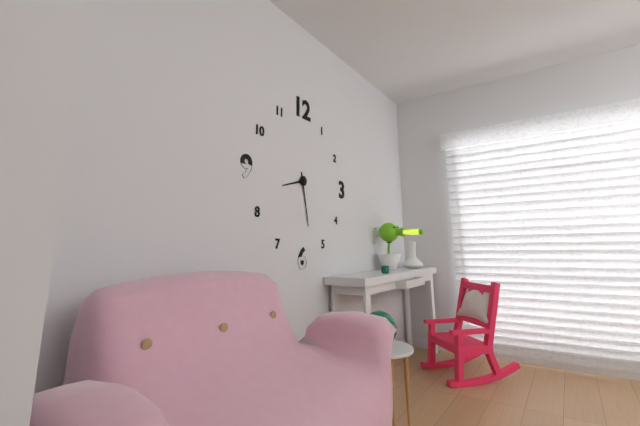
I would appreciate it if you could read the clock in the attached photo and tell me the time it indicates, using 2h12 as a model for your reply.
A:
8h28
